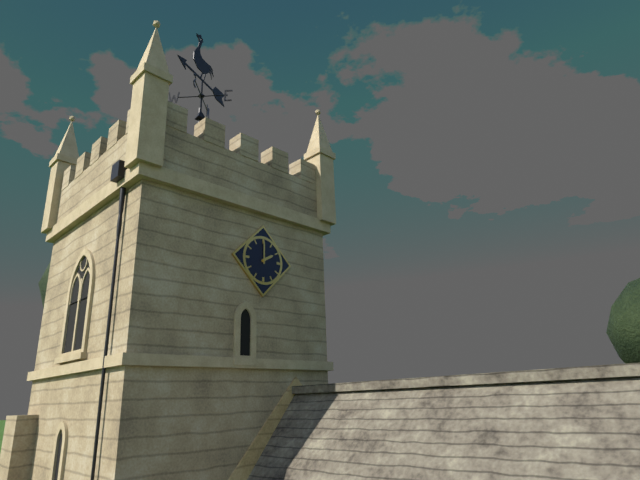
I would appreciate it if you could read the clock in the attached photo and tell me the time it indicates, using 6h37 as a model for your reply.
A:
2h00
